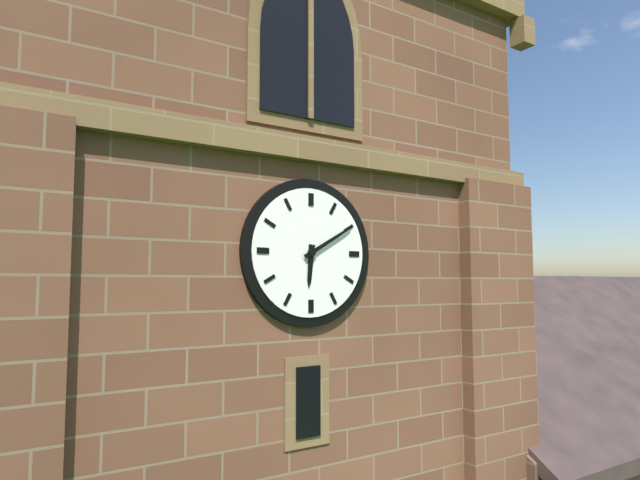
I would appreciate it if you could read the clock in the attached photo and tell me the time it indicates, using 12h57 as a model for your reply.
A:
6h10
